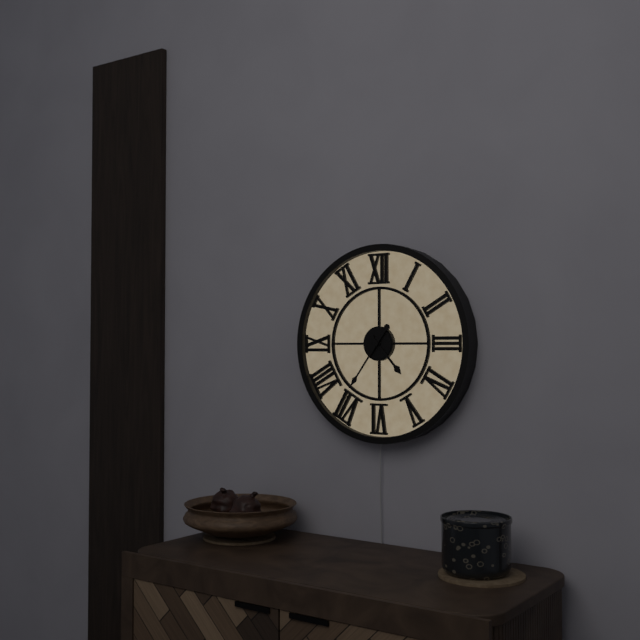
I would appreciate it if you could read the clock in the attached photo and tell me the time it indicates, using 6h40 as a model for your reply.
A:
4h36
